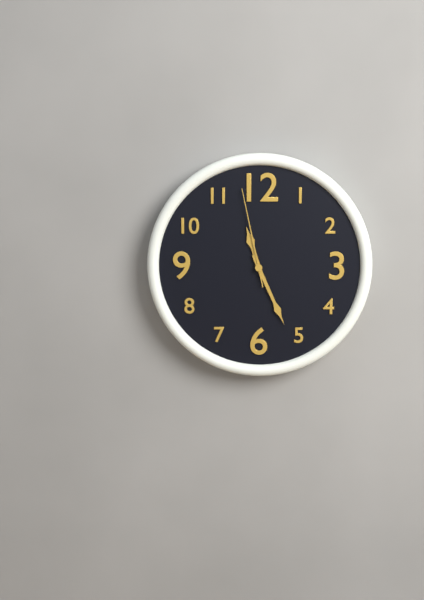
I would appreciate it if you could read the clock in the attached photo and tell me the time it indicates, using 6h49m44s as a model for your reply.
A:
11h26m58s
